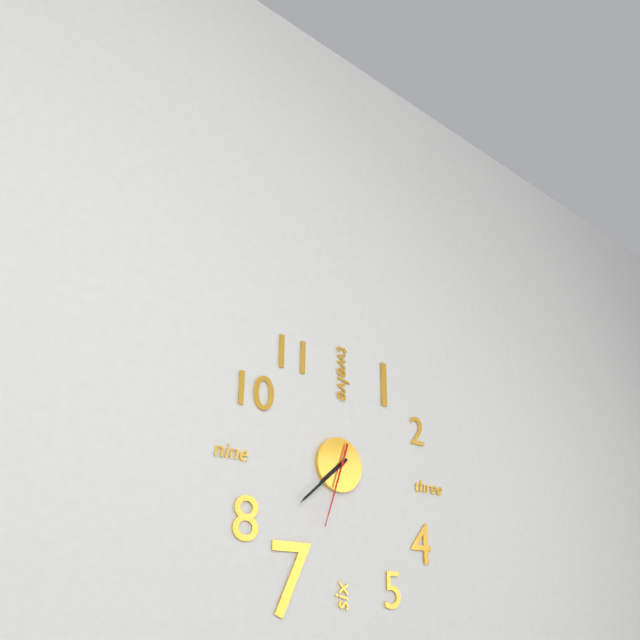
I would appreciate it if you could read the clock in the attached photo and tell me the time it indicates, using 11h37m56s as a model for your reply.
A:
7h38m33s
